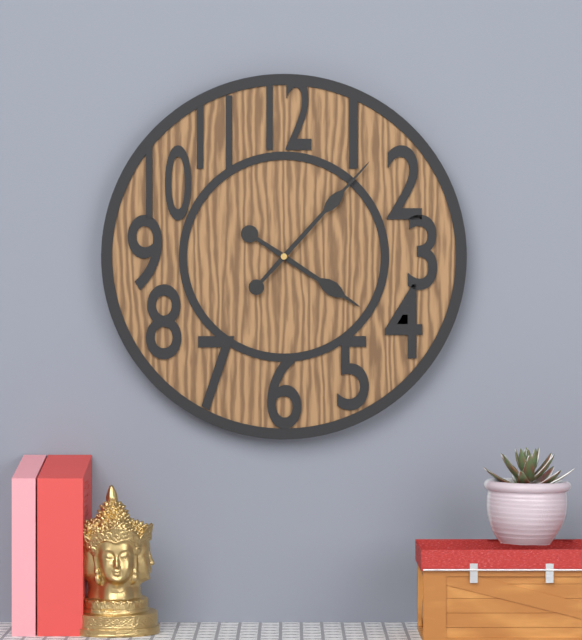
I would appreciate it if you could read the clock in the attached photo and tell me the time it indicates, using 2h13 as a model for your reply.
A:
4h07
